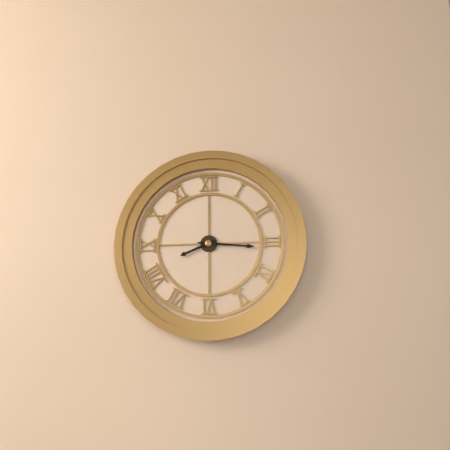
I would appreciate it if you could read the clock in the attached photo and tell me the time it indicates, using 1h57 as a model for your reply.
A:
8h16
